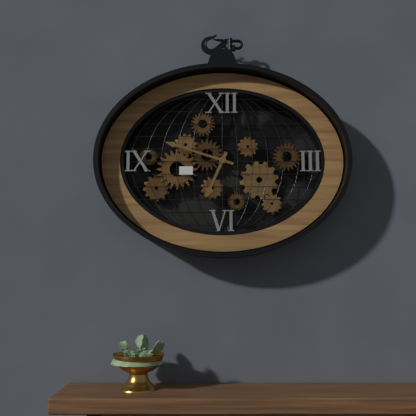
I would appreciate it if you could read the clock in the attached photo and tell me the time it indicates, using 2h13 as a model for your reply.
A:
6h48
